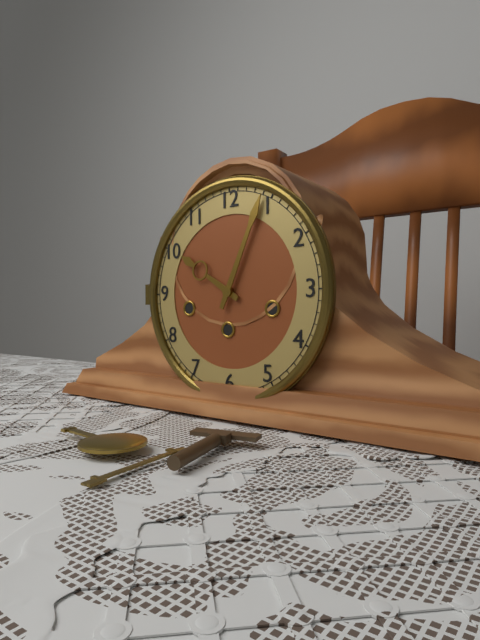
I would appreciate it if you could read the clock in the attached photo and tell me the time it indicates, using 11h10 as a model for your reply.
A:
10h04
